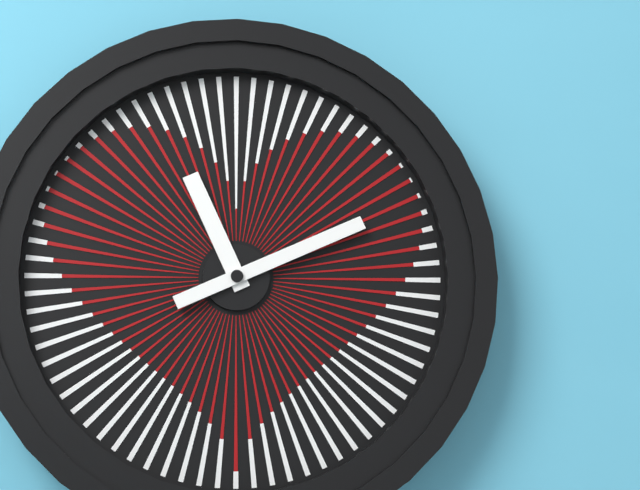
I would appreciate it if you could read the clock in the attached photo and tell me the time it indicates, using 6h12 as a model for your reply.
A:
11h11
